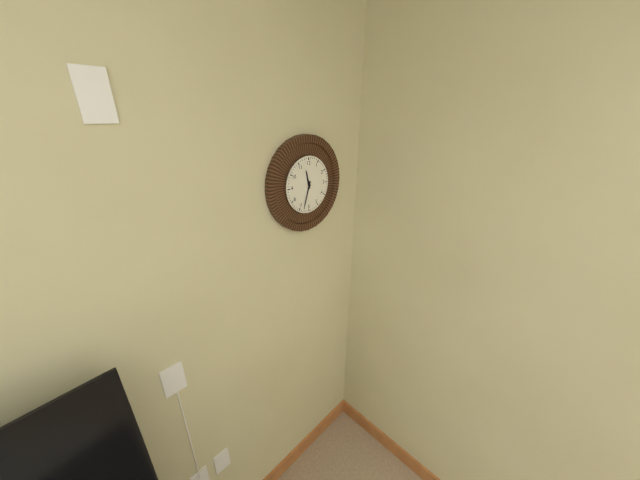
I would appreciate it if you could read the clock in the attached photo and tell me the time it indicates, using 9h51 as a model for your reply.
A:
11h33
